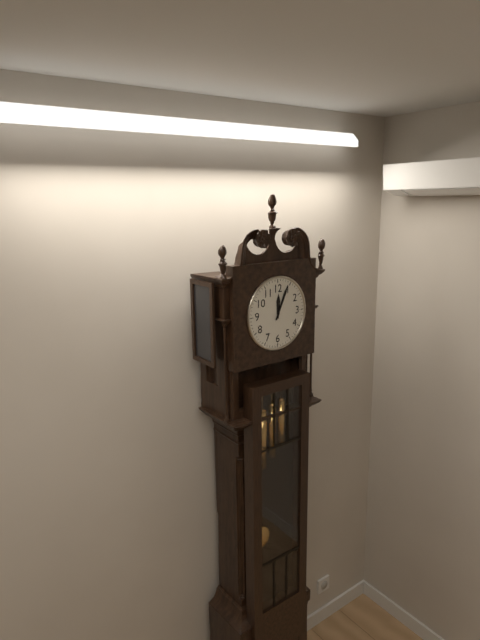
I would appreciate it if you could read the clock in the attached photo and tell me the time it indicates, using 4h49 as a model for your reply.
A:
12h04
